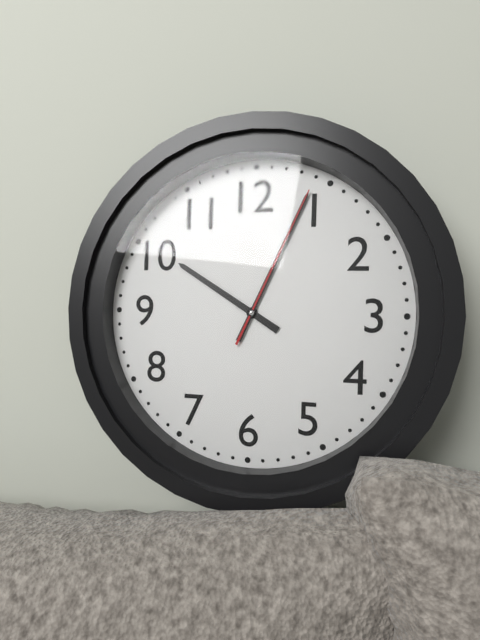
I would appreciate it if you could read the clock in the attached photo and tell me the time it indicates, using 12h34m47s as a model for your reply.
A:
10h04m04s
